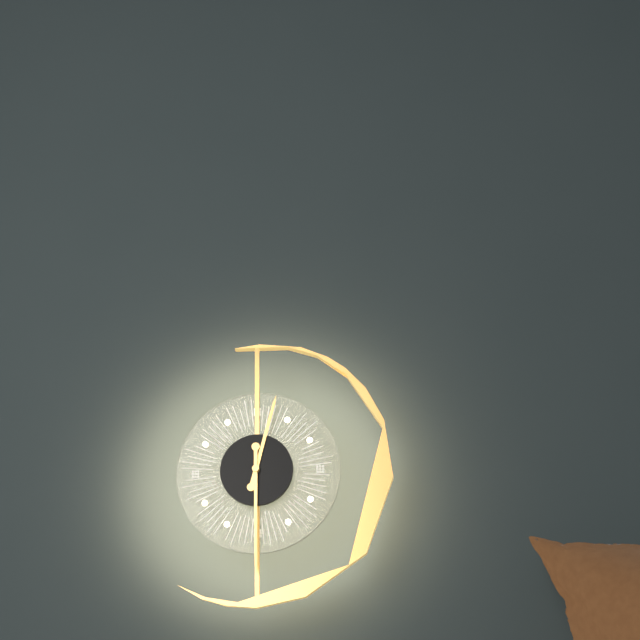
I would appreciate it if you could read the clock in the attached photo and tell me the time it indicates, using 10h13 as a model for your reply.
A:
12h30
